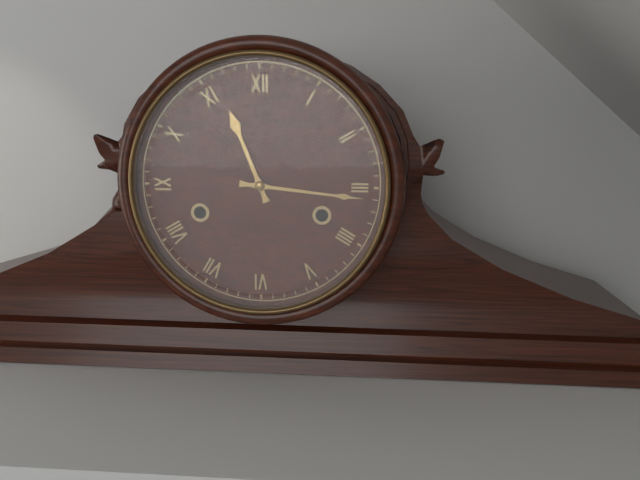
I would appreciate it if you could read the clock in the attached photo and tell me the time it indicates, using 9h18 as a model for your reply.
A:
11h16
